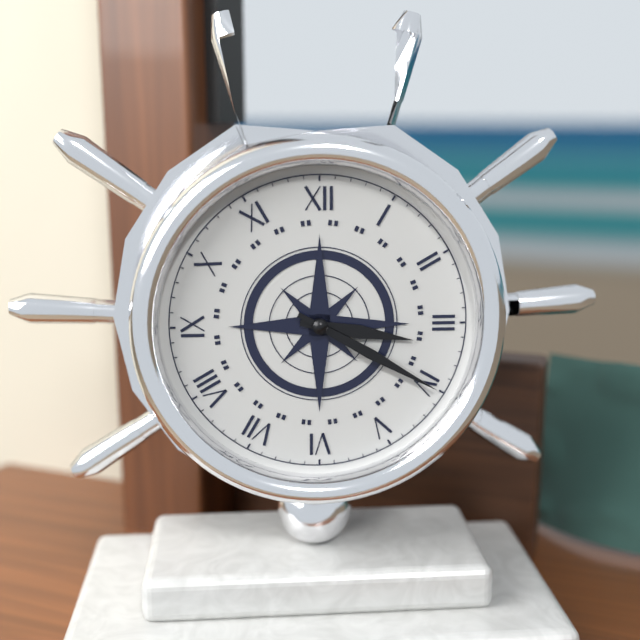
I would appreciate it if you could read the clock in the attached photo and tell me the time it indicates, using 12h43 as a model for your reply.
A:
3h20
